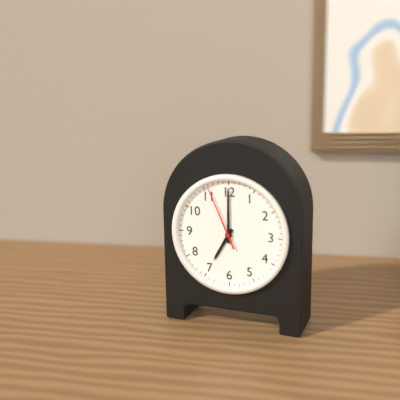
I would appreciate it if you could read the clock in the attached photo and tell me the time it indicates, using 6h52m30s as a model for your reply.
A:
7h00m56s
